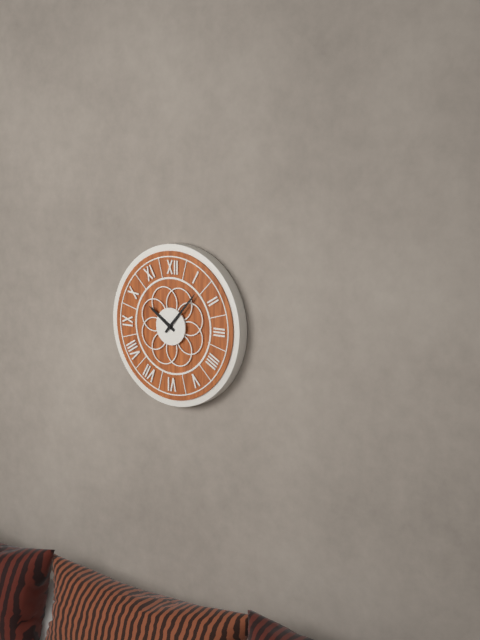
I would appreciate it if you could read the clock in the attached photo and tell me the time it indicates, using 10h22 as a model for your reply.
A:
10h07
